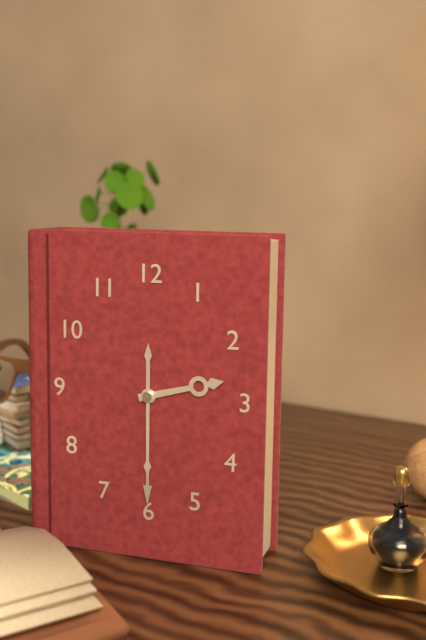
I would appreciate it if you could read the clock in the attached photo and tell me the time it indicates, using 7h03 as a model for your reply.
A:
2h30
